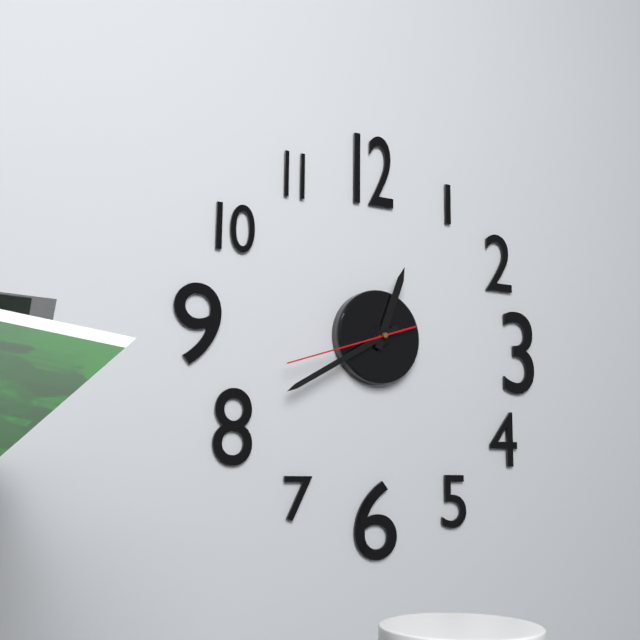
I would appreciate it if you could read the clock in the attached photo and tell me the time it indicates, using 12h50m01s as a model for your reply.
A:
12h40m42s
